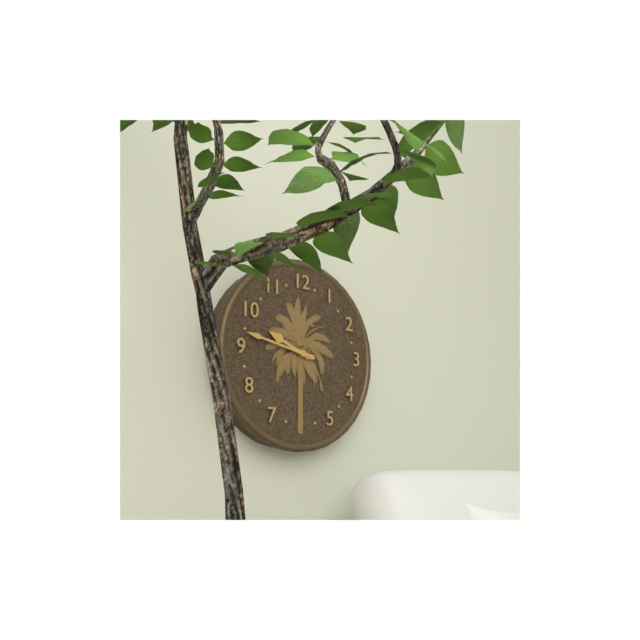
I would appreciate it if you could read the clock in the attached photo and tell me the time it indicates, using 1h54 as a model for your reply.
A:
9h47
